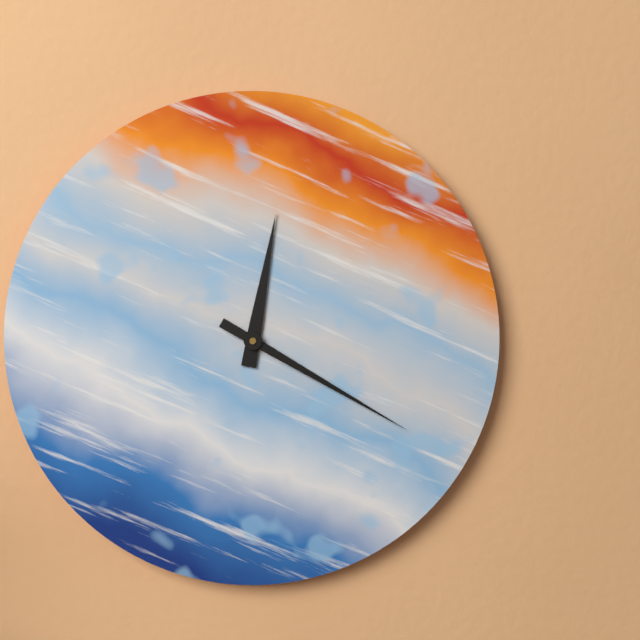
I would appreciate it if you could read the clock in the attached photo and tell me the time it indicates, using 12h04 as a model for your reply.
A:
12h20
